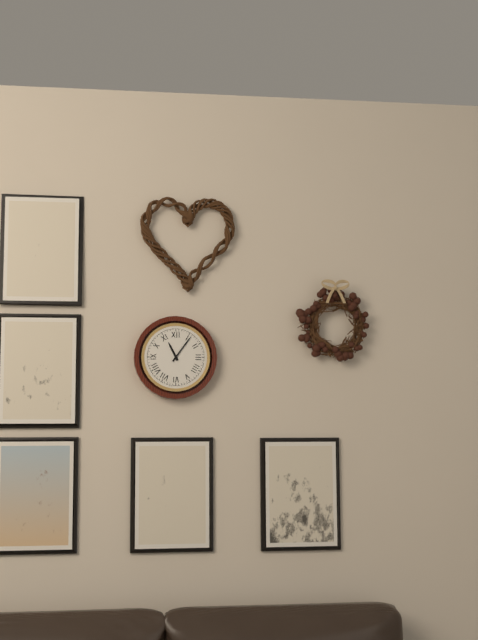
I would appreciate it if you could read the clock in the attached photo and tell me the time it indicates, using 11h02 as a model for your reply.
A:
11h06
